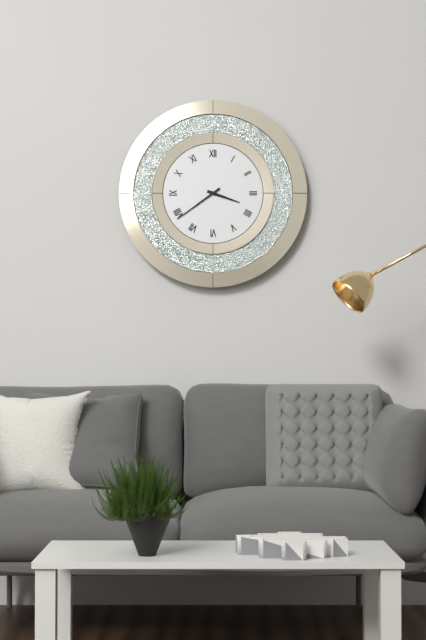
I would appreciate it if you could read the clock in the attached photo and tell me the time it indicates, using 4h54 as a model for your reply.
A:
3h39
